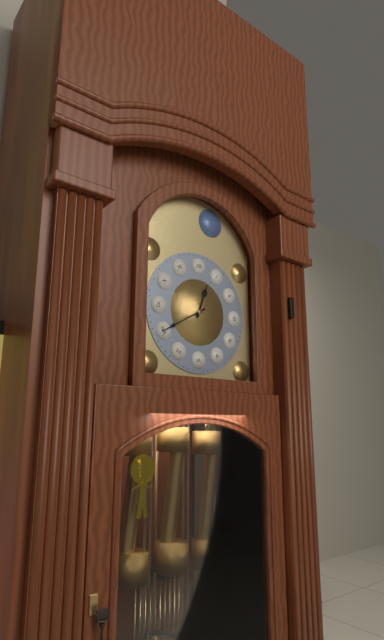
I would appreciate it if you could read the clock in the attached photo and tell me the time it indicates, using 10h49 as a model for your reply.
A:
12h40
